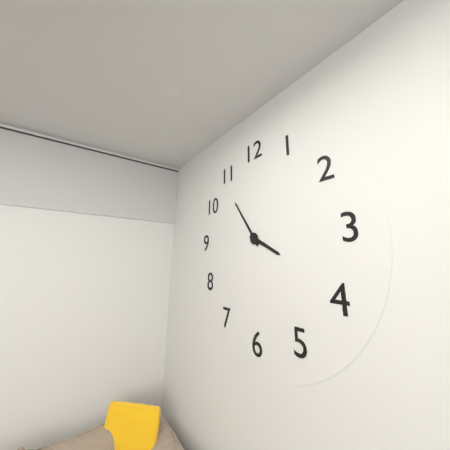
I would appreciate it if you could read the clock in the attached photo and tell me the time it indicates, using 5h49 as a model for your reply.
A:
3h54
